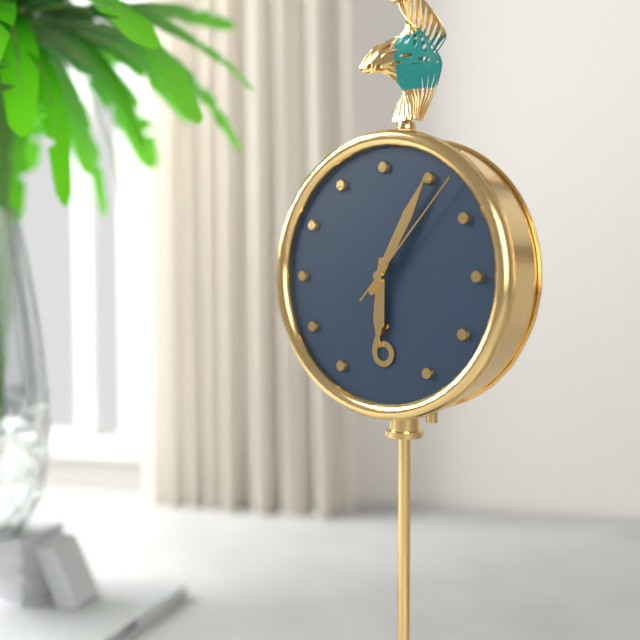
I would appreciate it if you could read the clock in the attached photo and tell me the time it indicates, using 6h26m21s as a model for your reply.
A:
6h05m07s
